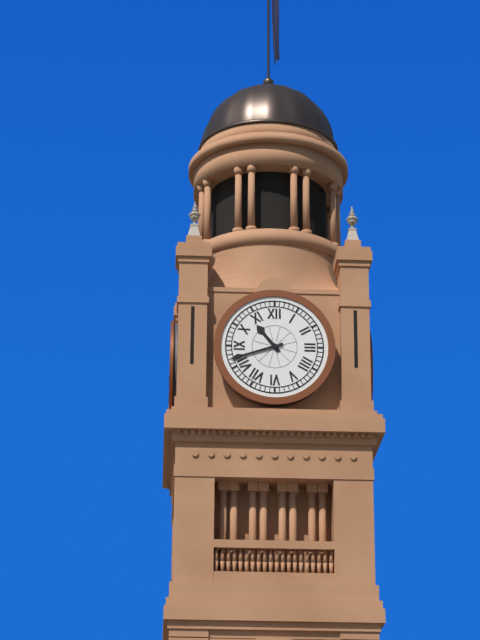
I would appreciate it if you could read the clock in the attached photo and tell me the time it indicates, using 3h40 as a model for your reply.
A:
10h42
